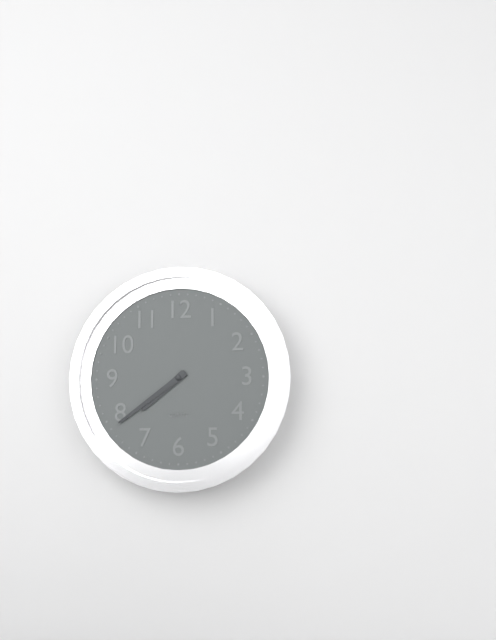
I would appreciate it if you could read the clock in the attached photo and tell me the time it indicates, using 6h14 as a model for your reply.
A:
7h39
